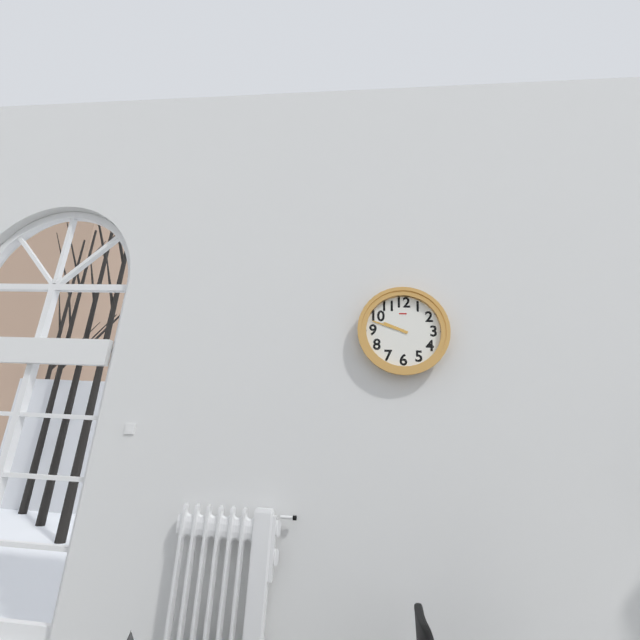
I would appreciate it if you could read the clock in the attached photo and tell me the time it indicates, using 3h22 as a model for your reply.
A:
9h48
